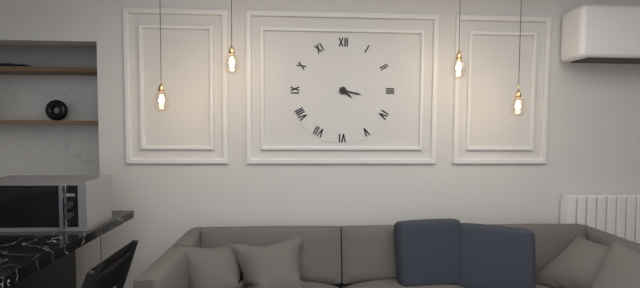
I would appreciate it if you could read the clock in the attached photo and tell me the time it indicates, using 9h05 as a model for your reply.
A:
4h17
